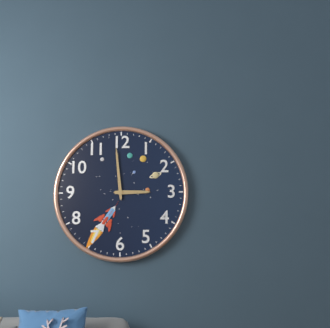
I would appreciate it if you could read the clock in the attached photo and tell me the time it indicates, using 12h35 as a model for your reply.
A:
2h59
